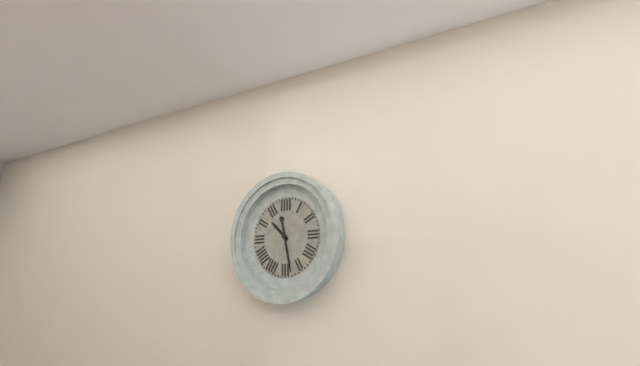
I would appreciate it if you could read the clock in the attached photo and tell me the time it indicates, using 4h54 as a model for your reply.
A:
10h28
